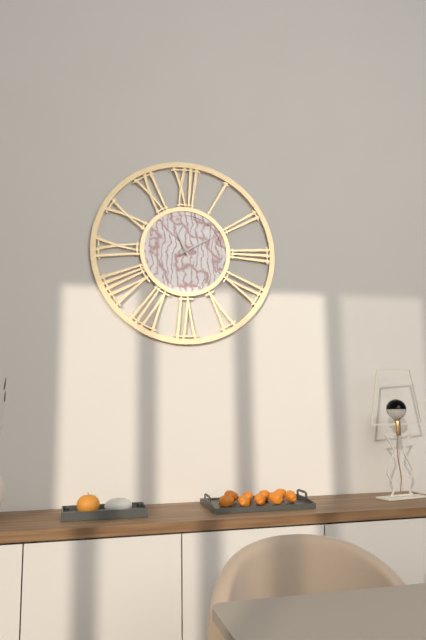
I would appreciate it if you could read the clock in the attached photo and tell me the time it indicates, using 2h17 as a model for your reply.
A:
11h10
